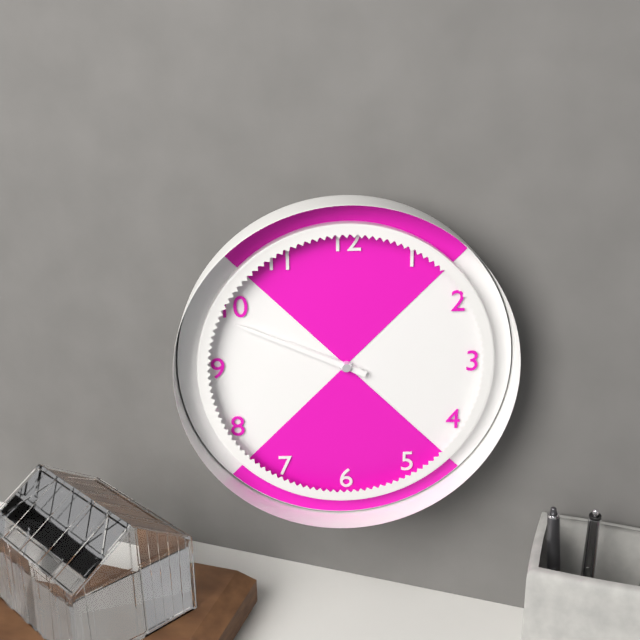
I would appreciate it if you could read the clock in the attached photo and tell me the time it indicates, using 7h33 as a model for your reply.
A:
9h49
